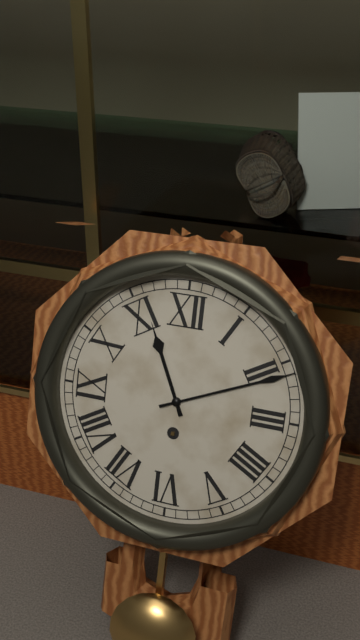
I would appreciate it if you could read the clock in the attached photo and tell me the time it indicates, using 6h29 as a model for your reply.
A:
11h11
